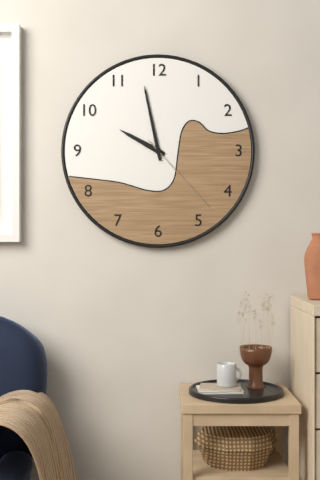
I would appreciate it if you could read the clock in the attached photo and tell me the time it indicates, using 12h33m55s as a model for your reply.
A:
9h58m23s
